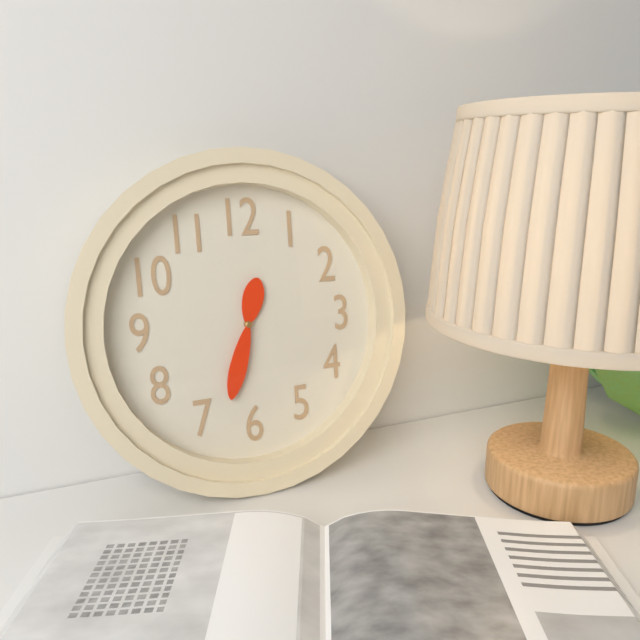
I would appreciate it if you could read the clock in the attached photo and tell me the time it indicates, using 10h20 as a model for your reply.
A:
12h33
